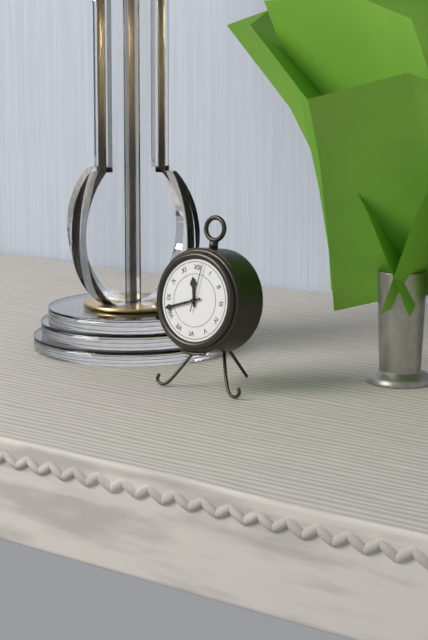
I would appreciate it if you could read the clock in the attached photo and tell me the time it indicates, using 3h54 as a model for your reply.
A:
11h42
